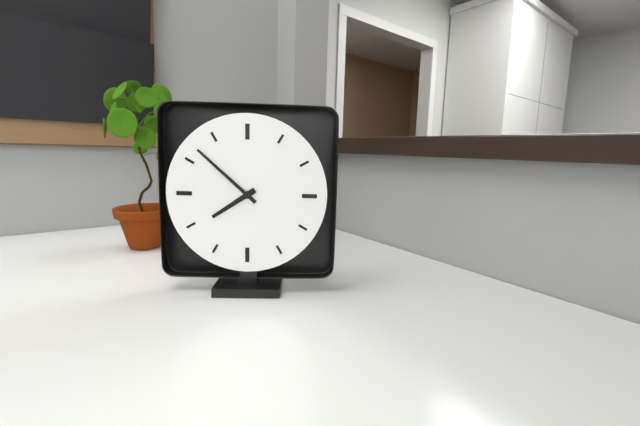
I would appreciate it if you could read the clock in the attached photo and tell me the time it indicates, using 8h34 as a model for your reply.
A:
7h52
